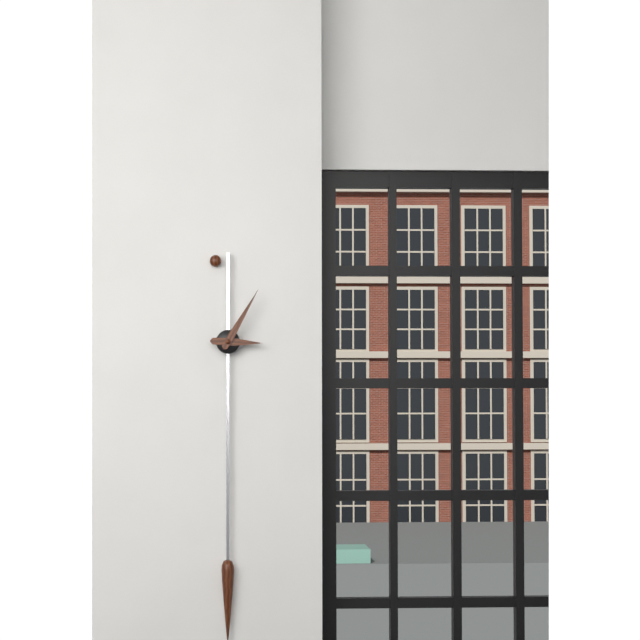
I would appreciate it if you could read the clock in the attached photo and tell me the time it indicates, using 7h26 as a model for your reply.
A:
3h05
